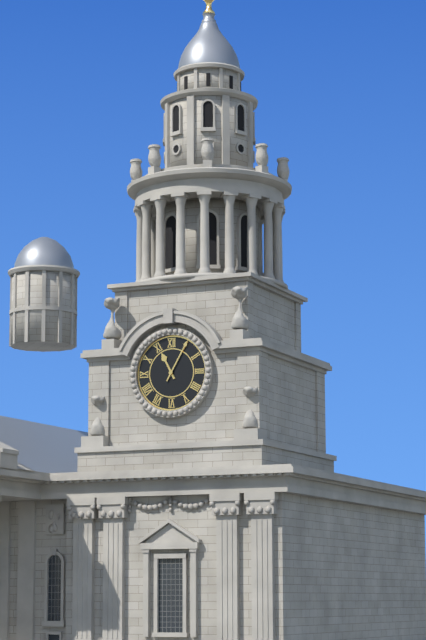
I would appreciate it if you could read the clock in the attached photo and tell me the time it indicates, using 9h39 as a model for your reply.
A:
11h05
